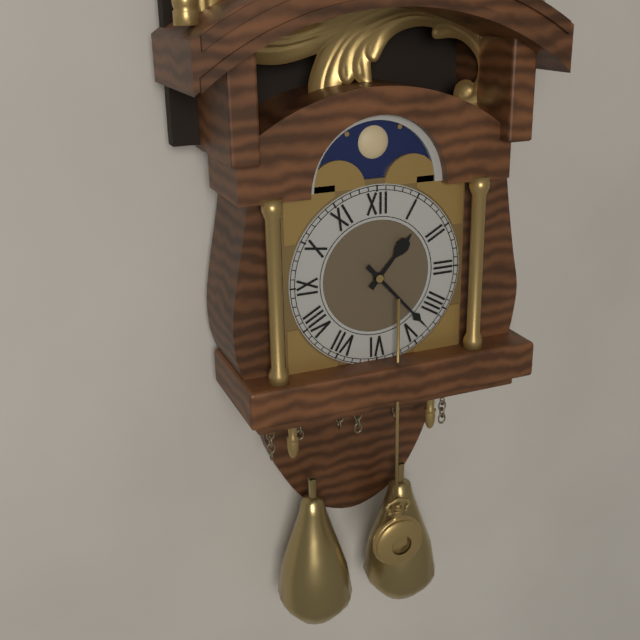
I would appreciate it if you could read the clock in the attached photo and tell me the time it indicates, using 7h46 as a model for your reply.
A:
1h23
